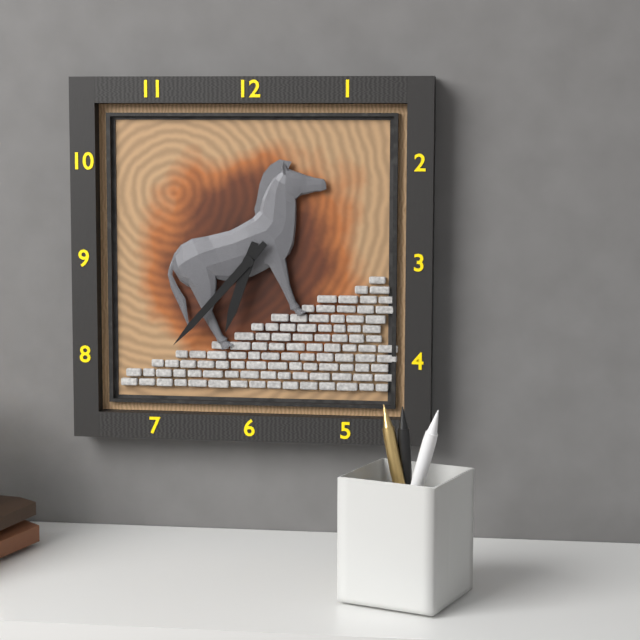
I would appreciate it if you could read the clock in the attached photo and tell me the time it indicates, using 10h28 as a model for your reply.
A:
6h37
